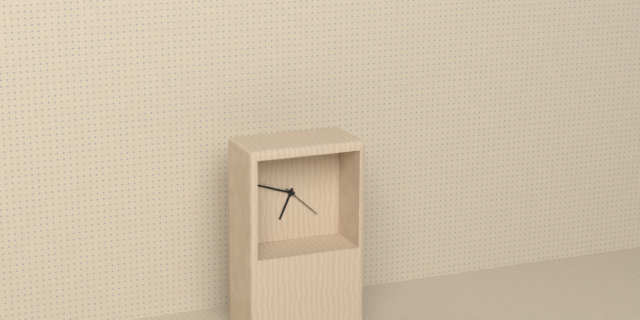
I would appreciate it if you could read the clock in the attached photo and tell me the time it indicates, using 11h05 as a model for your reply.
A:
6h48
